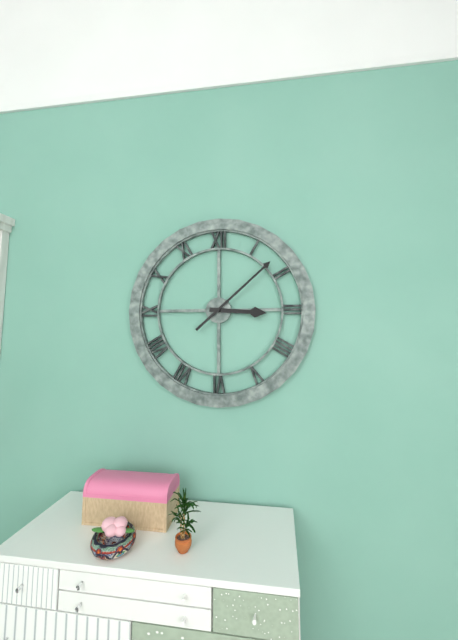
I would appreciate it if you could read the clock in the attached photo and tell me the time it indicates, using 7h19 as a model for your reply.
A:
3h08
